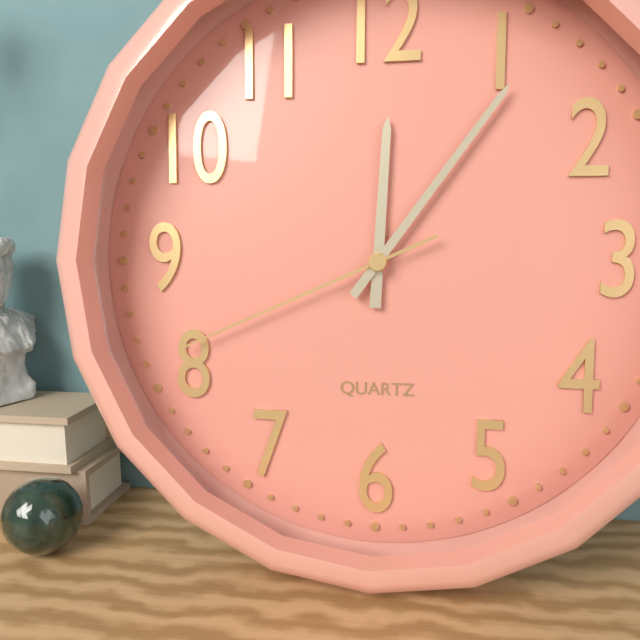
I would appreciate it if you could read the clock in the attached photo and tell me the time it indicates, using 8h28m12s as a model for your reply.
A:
12h06m41s
